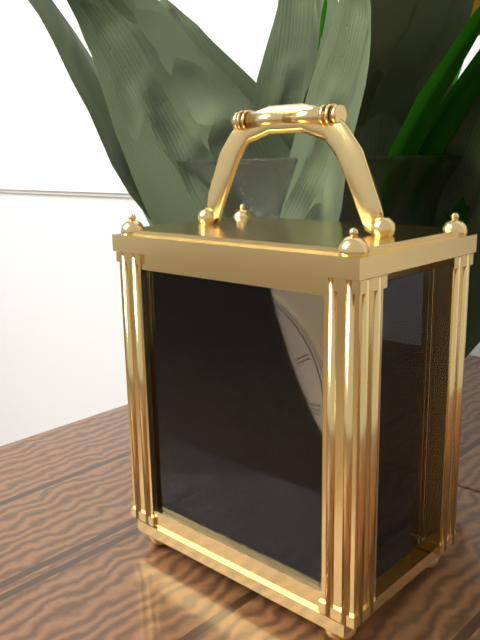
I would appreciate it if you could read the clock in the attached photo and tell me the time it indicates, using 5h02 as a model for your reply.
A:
7h58
